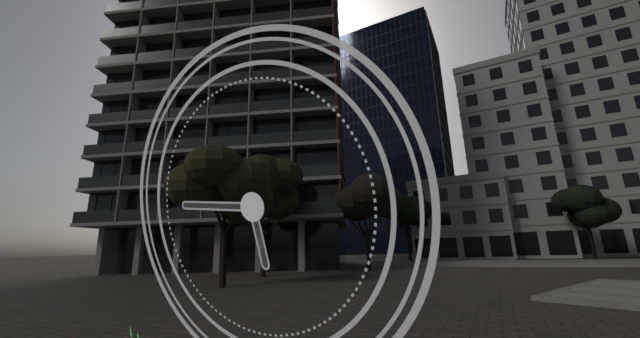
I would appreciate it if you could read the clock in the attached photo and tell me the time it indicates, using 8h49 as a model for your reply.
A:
5h46
